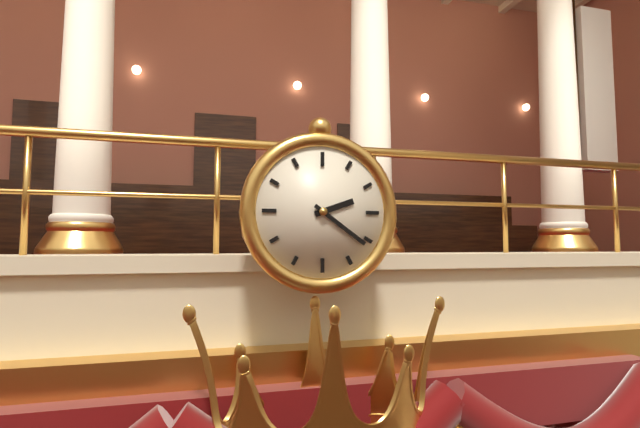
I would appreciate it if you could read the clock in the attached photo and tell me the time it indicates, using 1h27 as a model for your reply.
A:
2h21
